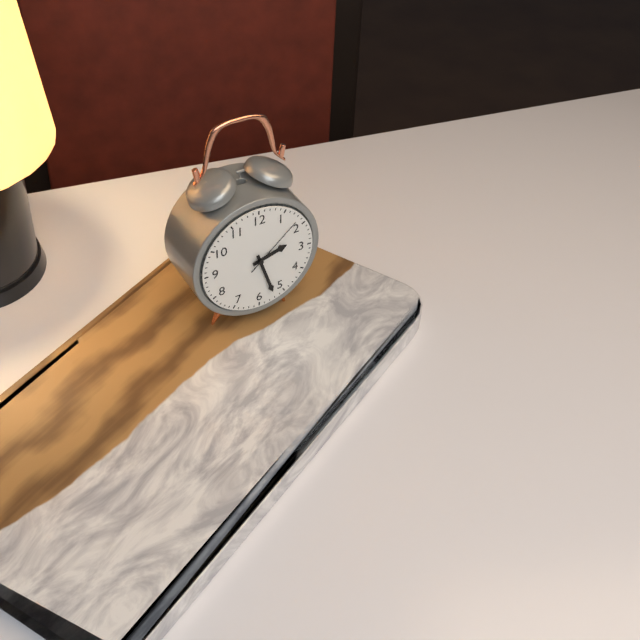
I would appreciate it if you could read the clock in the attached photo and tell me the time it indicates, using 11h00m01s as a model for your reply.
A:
2h27m08s
